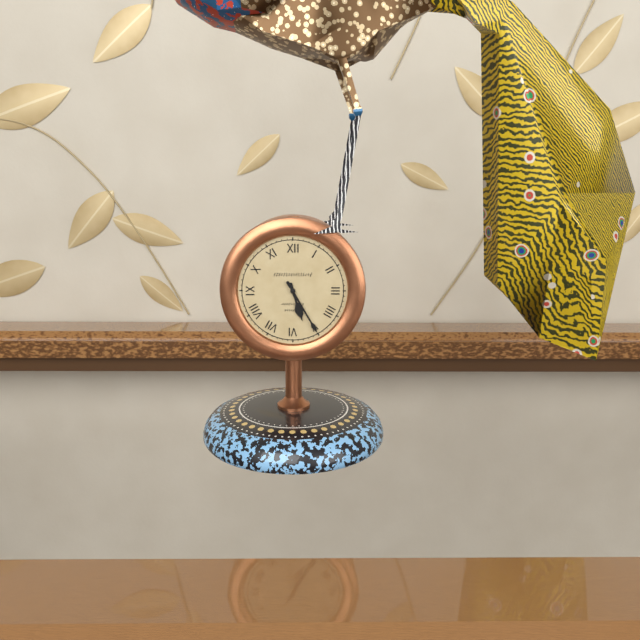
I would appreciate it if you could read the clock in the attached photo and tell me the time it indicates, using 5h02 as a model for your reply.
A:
5h25
